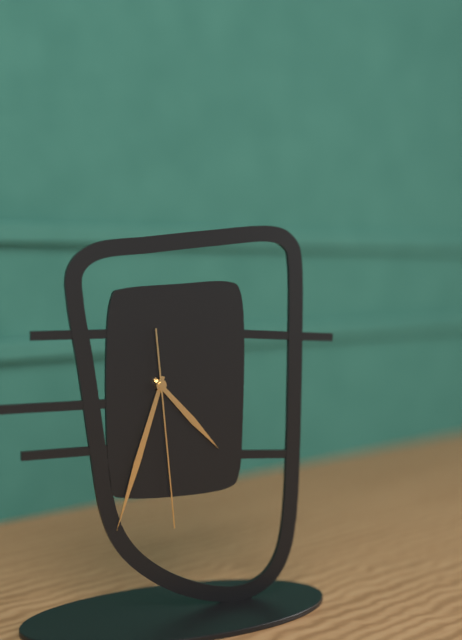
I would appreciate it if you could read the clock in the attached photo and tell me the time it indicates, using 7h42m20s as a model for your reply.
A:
4h33m29s
